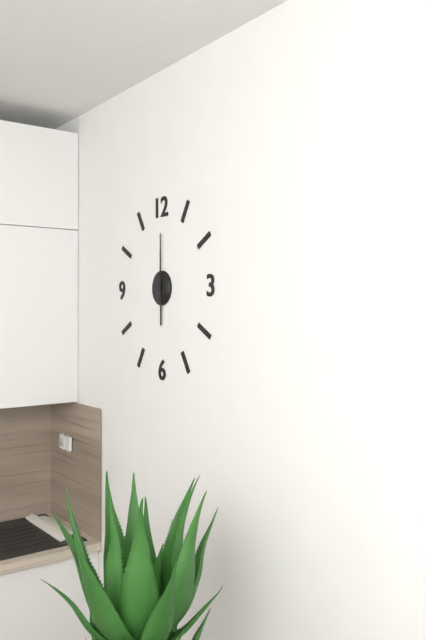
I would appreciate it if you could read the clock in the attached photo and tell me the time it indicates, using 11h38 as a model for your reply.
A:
6h00
